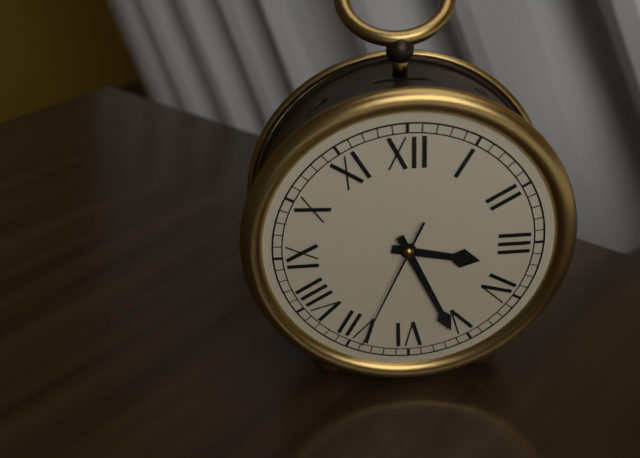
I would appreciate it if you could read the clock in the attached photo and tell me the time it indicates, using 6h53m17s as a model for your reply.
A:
3h26m34s
